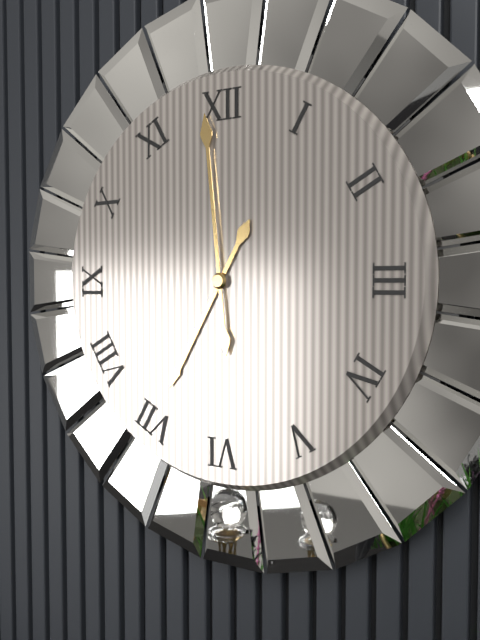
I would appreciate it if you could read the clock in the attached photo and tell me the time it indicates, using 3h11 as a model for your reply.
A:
6h59
